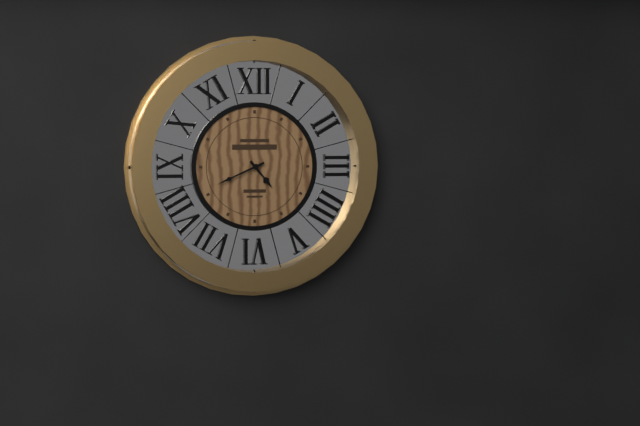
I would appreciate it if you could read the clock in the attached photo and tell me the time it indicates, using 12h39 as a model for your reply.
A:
4h41
